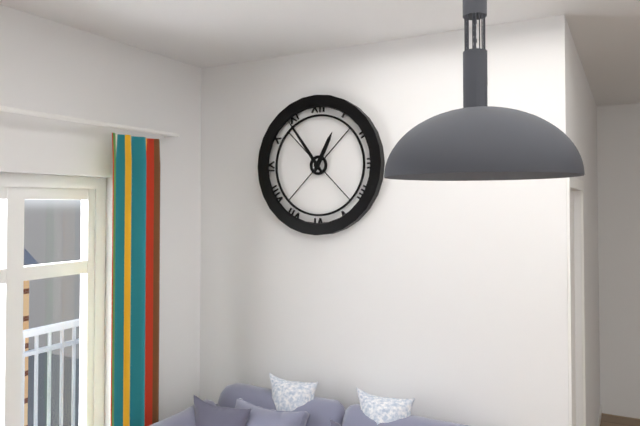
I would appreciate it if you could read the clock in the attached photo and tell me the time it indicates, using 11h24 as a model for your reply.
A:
12h54
